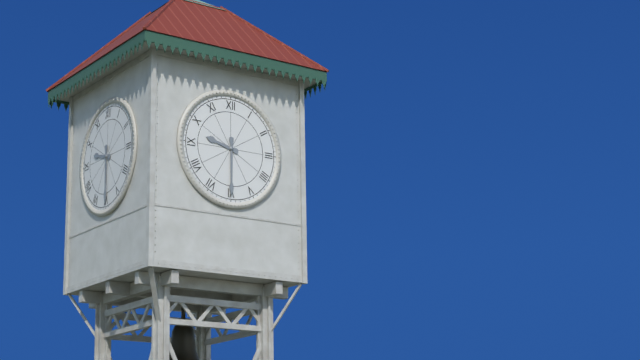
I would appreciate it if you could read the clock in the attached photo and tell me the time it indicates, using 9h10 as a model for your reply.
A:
9h30
